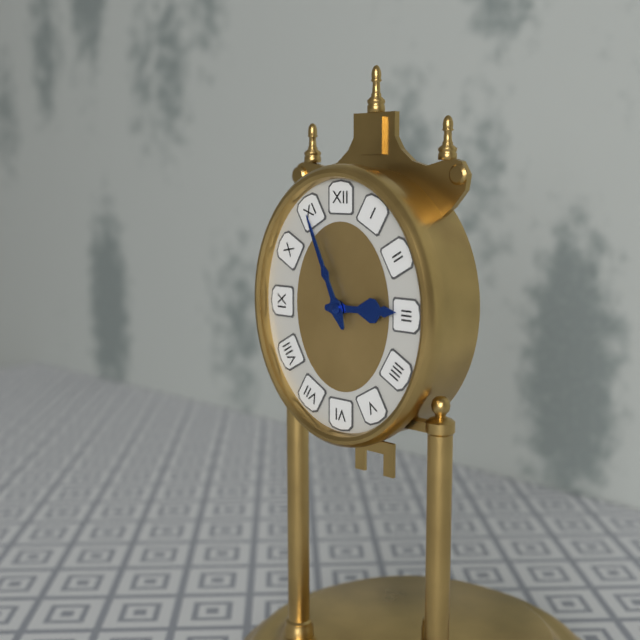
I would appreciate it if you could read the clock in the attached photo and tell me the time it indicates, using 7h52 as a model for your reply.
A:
2h56
